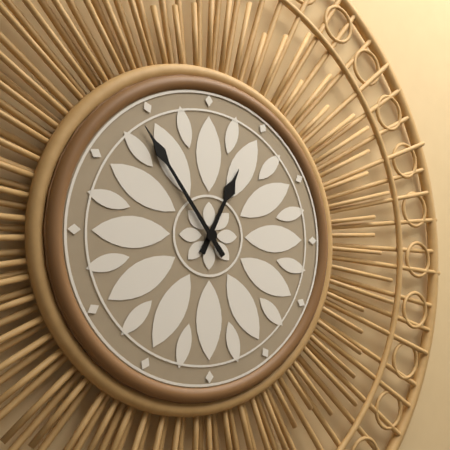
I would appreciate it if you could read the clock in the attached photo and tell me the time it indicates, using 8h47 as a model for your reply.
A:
12h54
